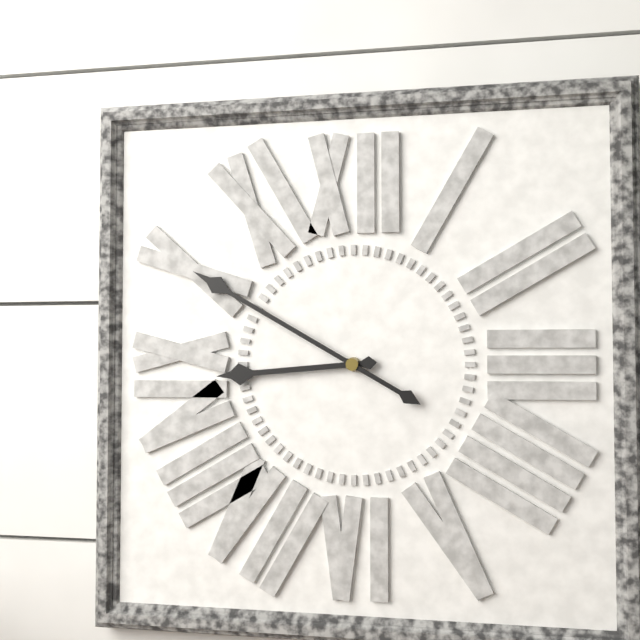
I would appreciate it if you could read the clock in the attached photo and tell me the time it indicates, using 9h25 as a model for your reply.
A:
8h50
